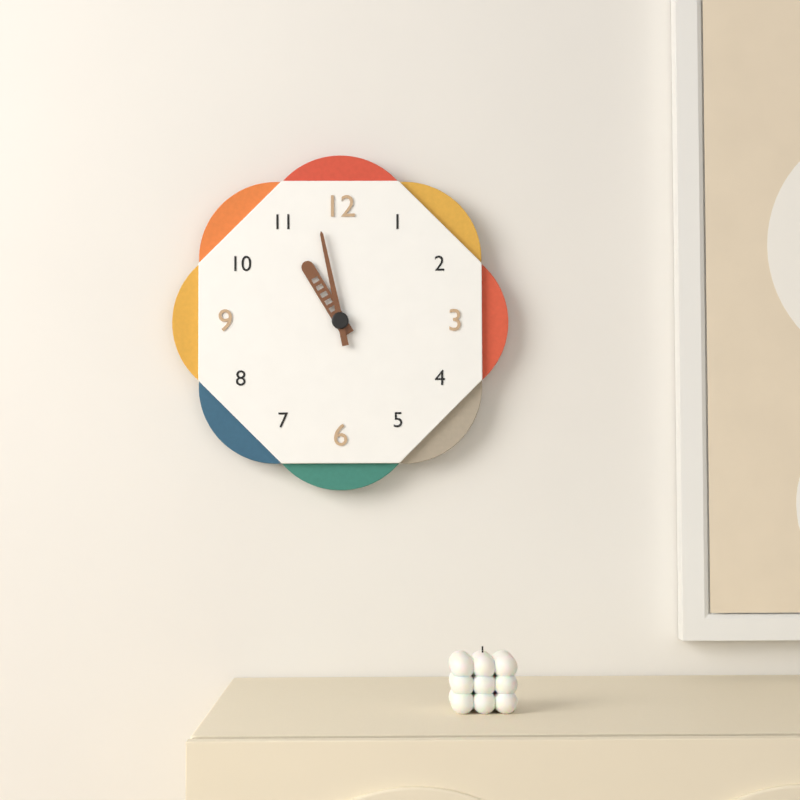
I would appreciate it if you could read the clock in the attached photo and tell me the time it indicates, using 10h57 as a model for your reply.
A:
10h58
